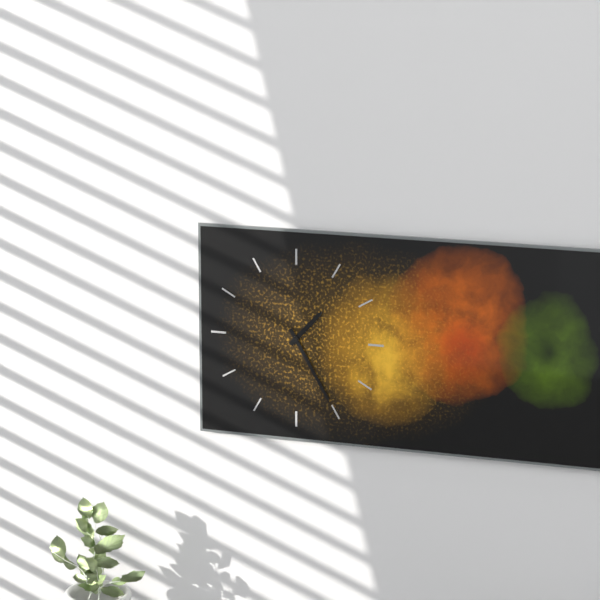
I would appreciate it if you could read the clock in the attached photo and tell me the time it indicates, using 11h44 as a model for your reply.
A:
1h25
